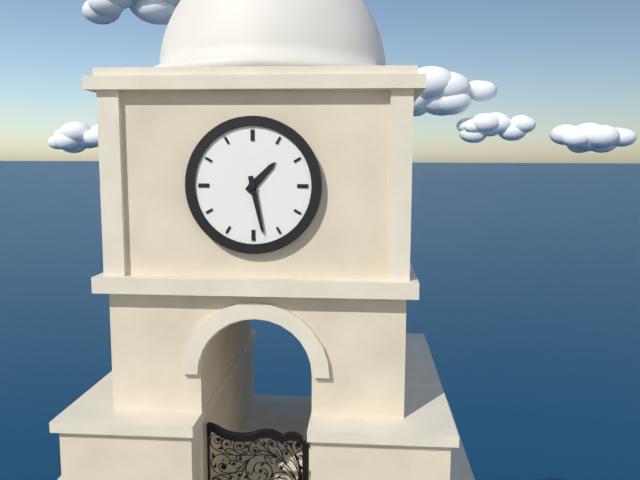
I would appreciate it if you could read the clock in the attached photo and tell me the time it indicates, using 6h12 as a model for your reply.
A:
1h28
